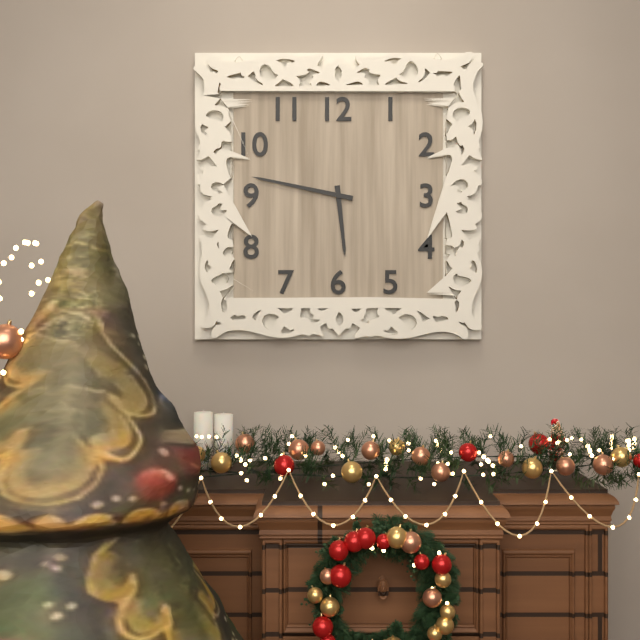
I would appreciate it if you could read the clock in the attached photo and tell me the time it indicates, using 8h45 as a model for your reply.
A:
5h47
